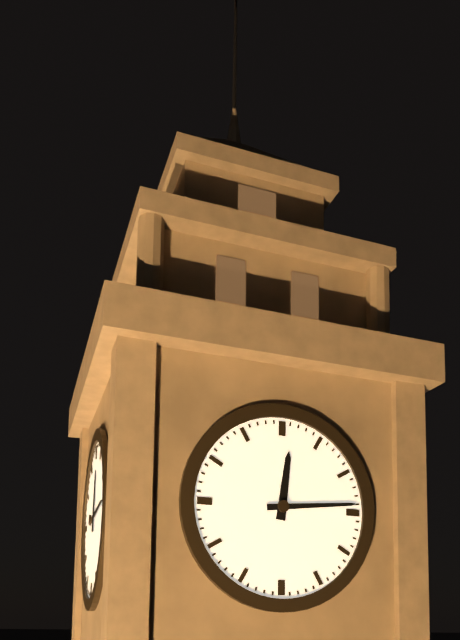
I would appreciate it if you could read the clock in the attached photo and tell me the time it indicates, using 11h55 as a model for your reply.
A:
12h14
